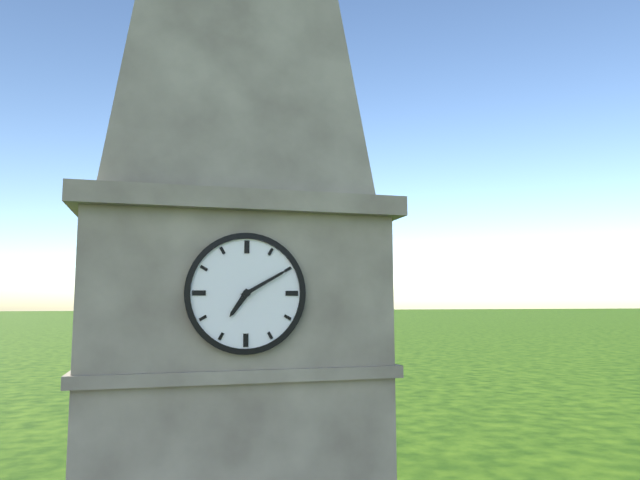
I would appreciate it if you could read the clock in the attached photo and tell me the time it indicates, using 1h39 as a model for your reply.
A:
7h10
